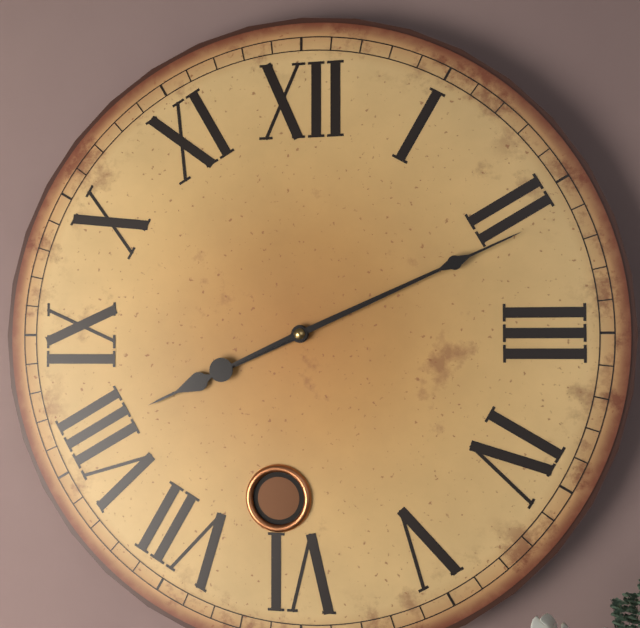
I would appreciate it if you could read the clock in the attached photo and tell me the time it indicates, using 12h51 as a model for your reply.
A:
8h11
